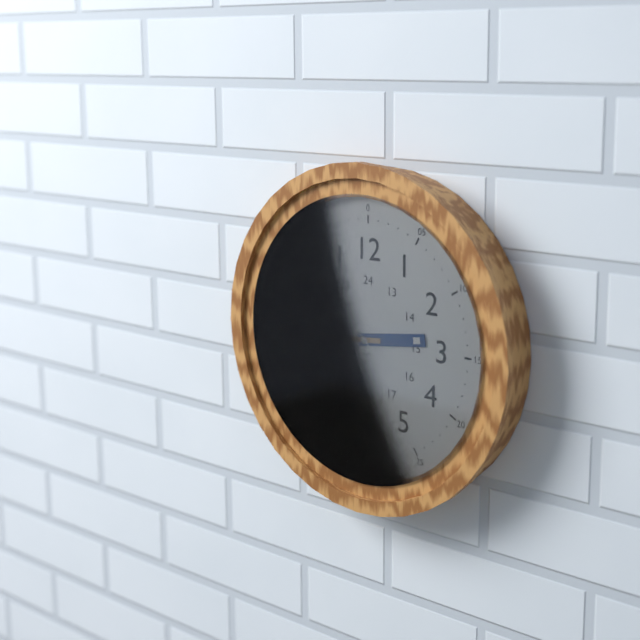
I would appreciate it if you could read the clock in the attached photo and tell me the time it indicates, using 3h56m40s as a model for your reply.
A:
2h44m52s
